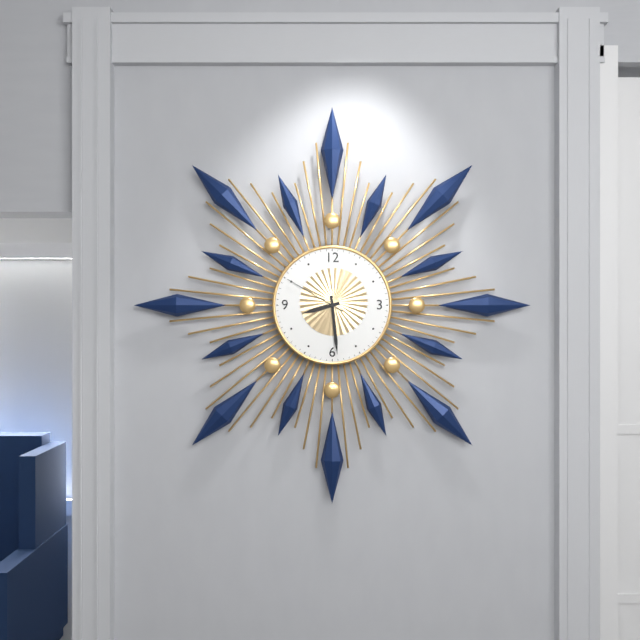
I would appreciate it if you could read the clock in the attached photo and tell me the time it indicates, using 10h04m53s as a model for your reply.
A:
8h29m50s
